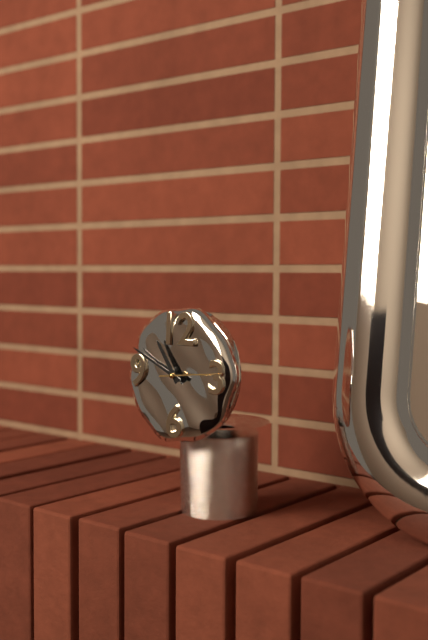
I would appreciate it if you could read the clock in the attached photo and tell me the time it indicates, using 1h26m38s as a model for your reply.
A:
10h49m14s
